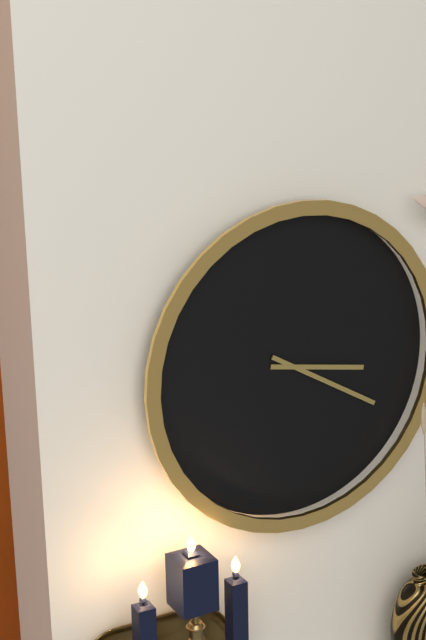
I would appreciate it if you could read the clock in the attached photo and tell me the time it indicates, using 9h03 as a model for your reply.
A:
3h20
